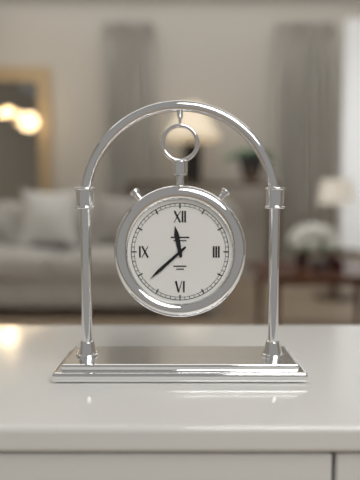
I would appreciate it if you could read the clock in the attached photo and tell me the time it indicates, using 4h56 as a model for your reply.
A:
11h38
